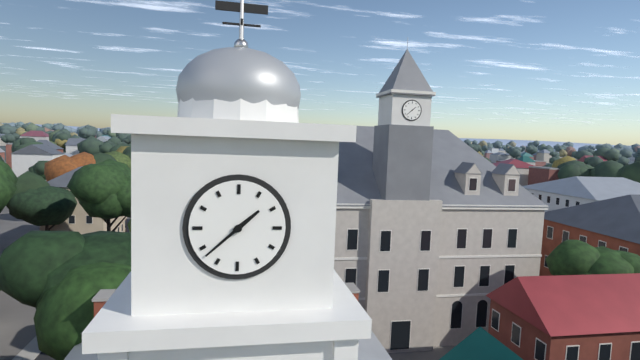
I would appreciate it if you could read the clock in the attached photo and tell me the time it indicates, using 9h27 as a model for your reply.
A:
1h38
